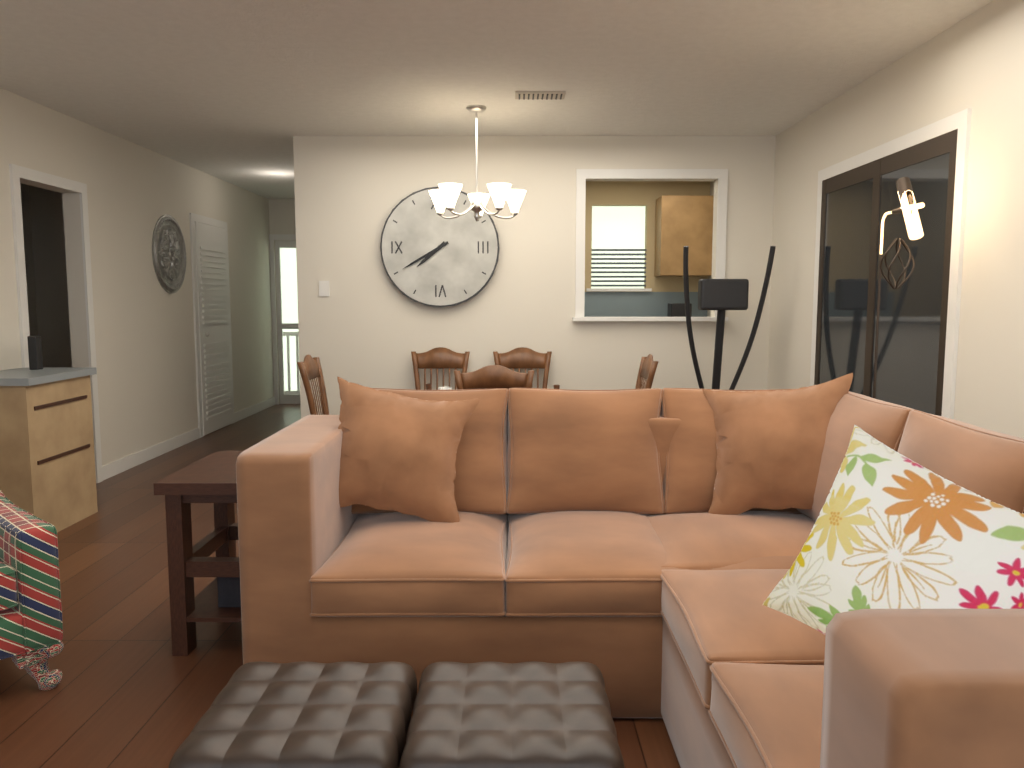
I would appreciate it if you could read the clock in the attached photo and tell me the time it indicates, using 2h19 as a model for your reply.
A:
7h40
